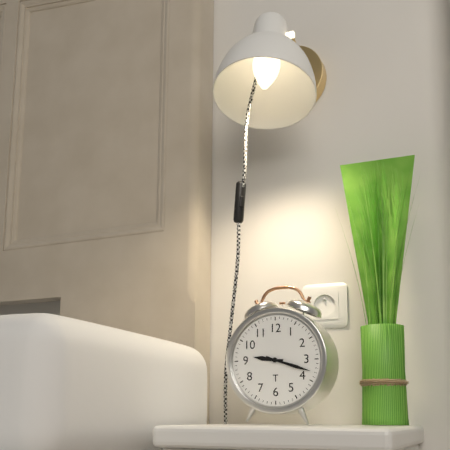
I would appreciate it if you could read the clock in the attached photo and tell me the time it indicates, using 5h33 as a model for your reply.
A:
9h18
